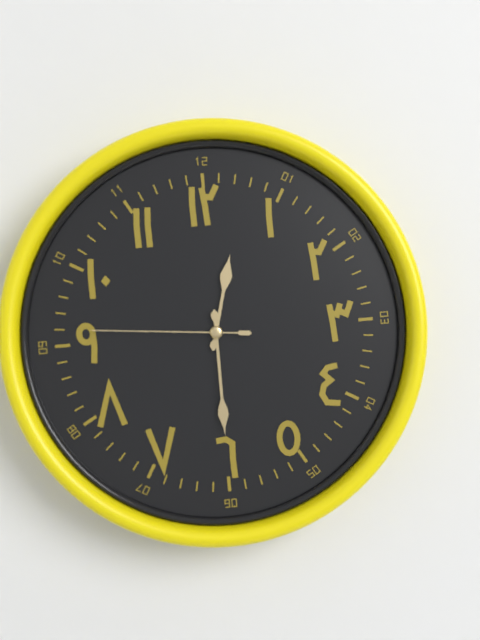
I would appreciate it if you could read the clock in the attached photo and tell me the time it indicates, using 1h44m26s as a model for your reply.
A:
12h30m46s
